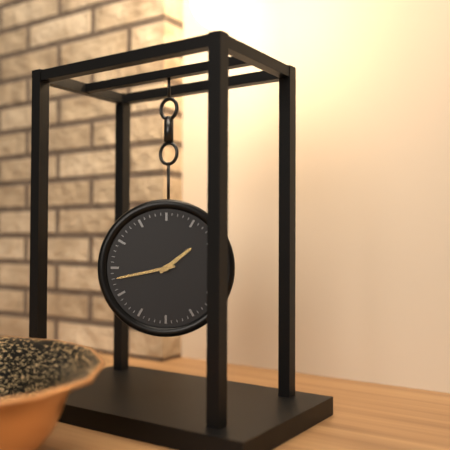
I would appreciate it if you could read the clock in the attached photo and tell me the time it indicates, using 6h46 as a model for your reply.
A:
1h43
